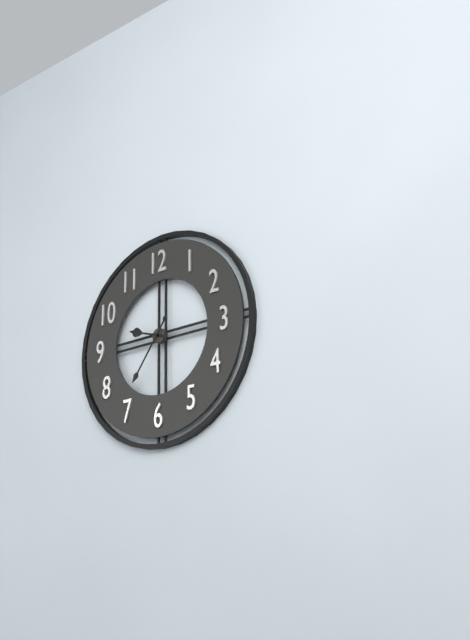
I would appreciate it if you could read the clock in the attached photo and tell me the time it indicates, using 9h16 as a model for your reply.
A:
9h36
